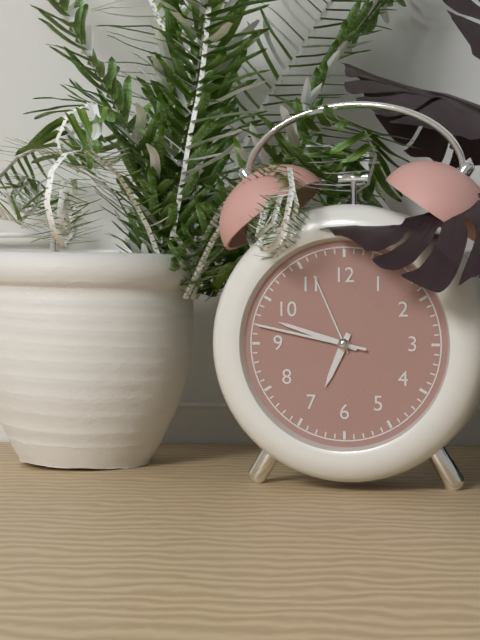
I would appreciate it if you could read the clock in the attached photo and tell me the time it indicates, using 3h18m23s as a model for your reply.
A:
6h48m47s
